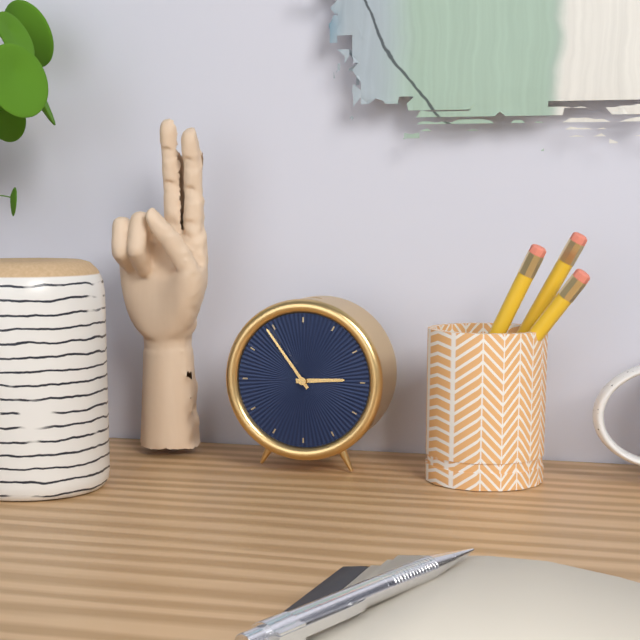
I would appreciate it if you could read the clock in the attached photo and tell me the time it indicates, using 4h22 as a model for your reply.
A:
2h54
